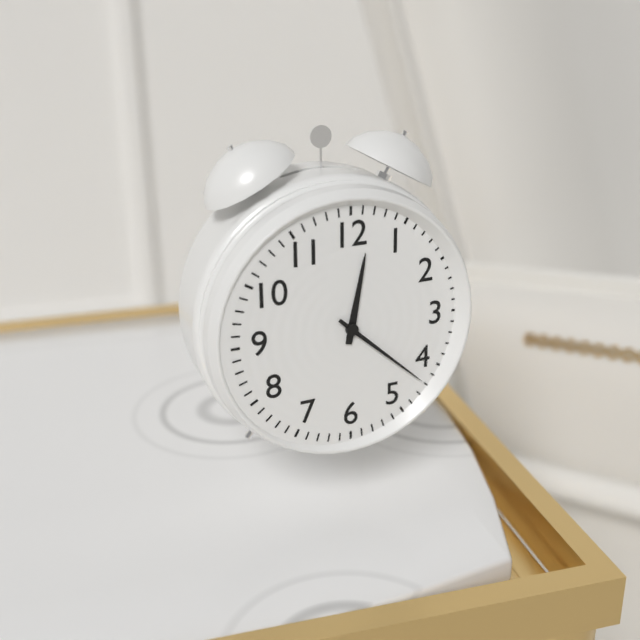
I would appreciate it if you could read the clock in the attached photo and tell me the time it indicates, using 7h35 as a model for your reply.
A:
12h22
